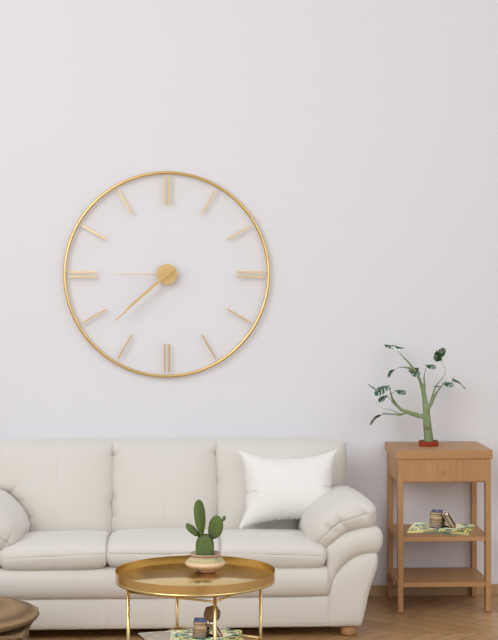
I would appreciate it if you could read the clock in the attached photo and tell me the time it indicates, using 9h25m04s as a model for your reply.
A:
7h38m45s
